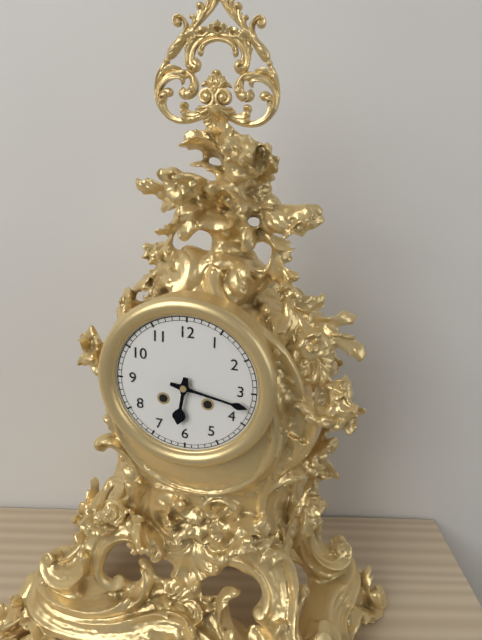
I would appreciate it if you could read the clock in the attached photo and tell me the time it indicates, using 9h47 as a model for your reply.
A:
6h17
